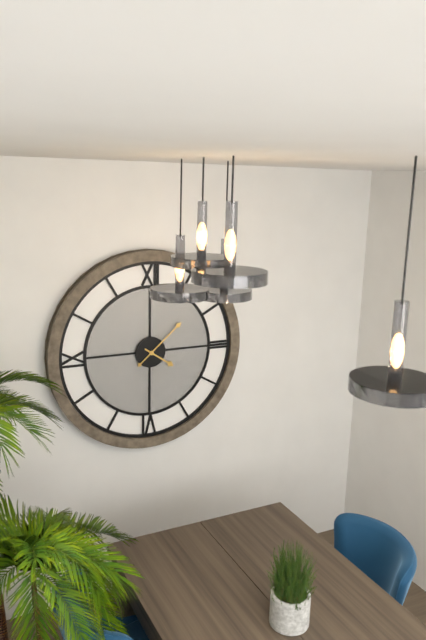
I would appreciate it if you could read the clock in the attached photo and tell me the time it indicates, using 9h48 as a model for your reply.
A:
4h08
